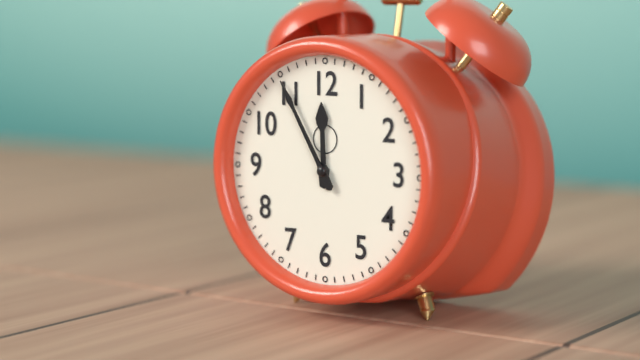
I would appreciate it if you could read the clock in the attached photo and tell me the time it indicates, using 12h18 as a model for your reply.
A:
11h55
